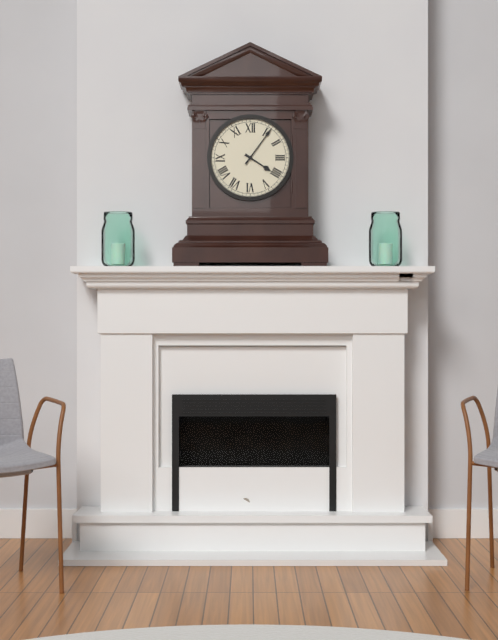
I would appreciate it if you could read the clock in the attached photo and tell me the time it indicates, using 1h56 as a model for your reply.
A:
4h06
